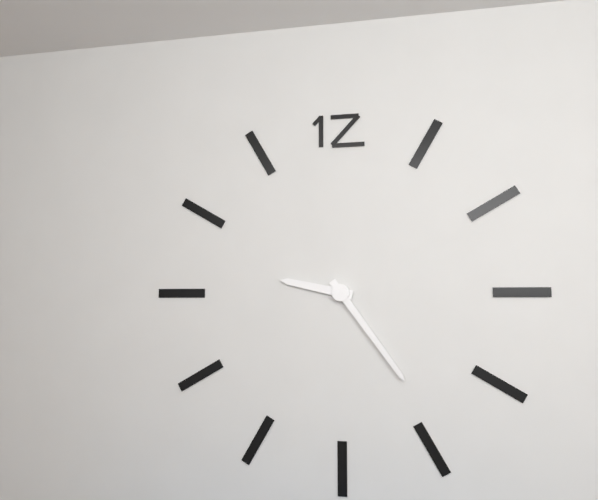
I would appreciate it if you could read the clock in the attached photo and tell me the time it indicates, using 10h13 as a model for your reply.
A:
9h24
